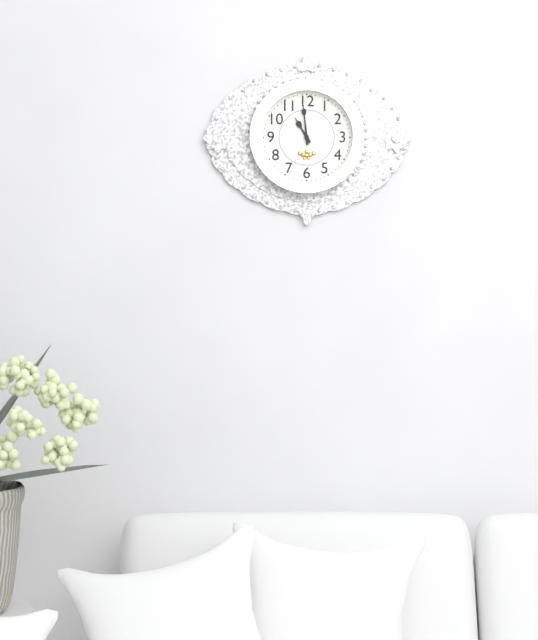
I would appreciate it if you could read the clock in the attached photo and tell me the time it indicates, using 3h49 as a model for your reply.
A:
10h59
